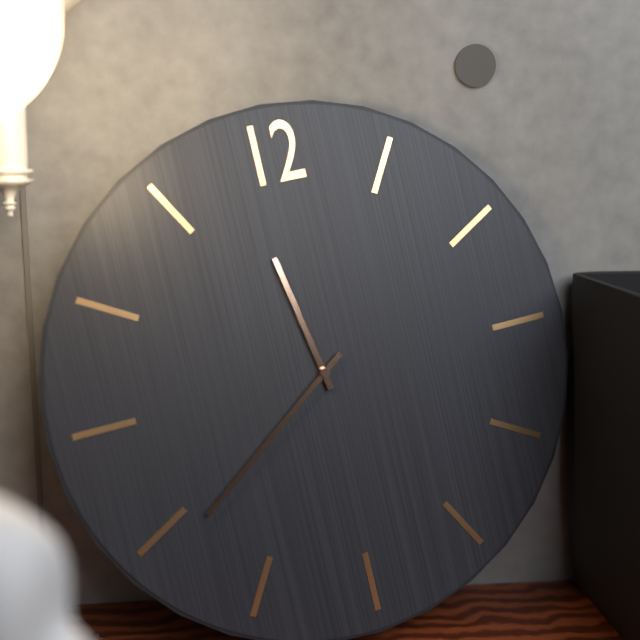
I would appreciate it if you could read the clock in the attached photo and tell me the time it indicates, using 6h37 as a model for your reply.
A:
11h39
